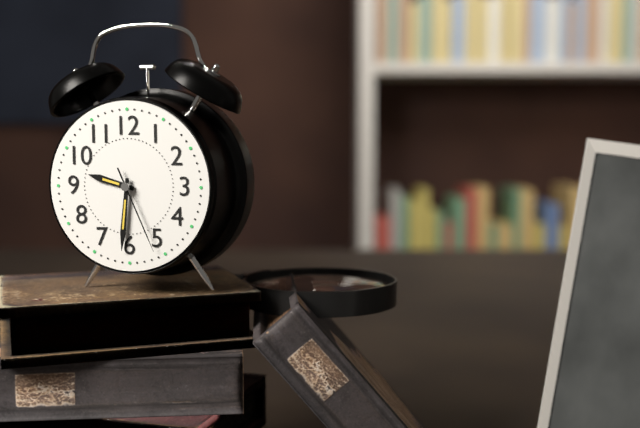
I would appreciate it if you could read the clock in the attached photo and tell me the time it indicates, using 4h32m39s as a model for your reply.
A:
9h31m26s
